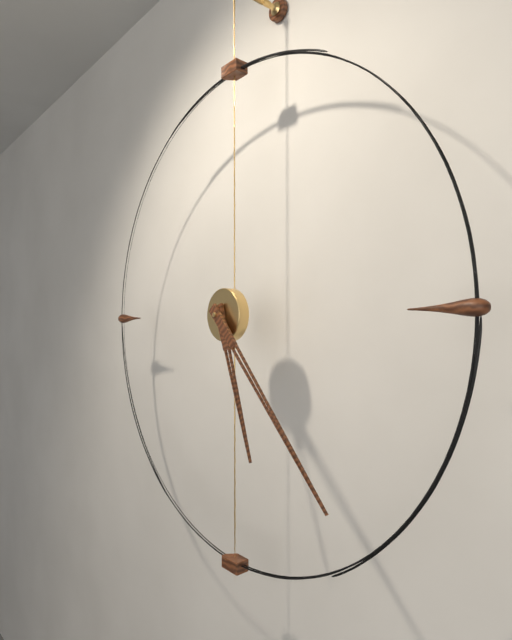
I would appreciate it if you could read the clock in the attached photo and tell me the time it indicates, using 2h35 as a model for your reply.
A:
5h23
